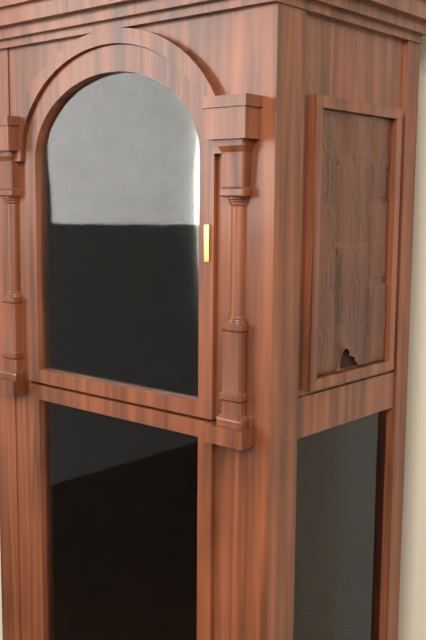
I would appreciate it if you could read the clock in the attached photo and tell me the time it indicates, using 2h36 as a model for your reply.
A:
12h33
